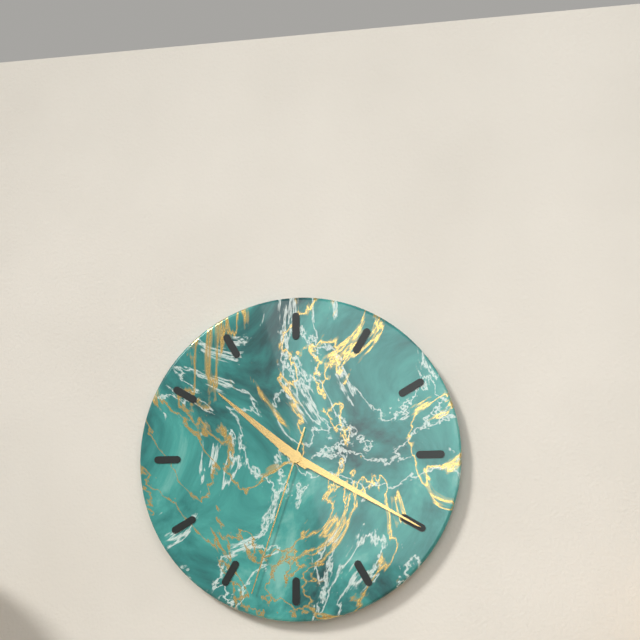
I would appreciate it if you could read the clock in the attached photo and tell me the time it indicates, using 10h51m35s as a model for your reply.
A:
10h20m33s
